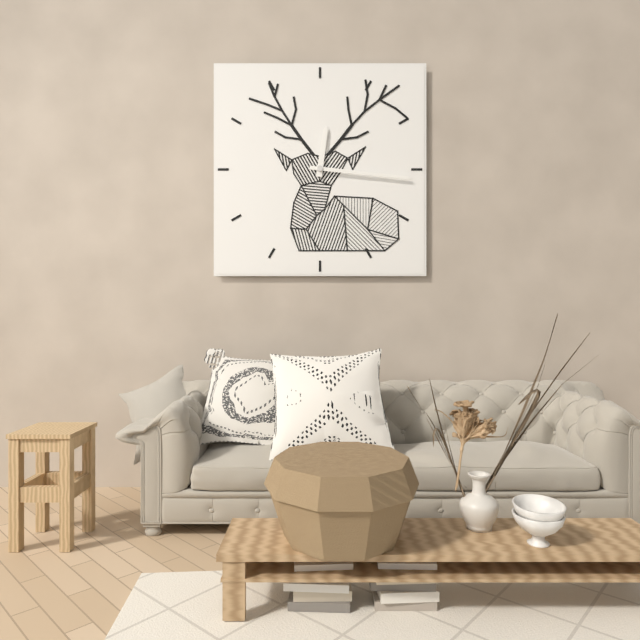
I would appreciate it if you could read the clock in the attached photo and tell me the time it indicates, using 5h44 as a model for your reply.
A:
12h16
